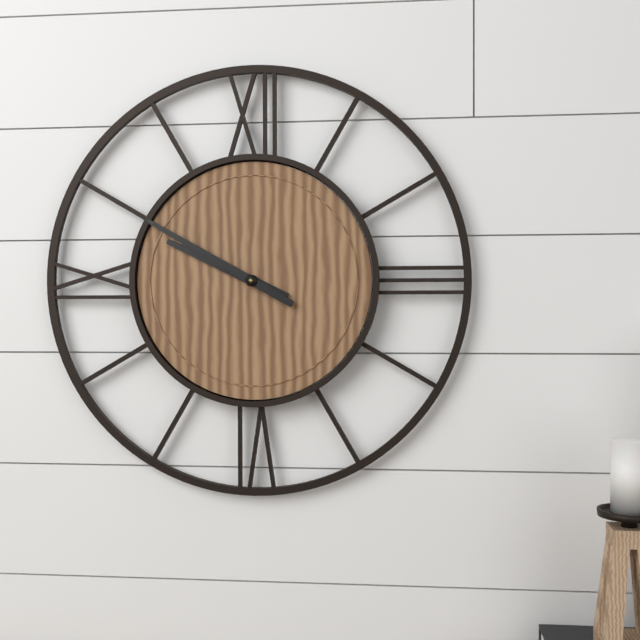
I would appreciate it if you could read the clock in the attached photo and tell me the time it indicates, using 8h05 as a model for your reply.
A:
9h50
